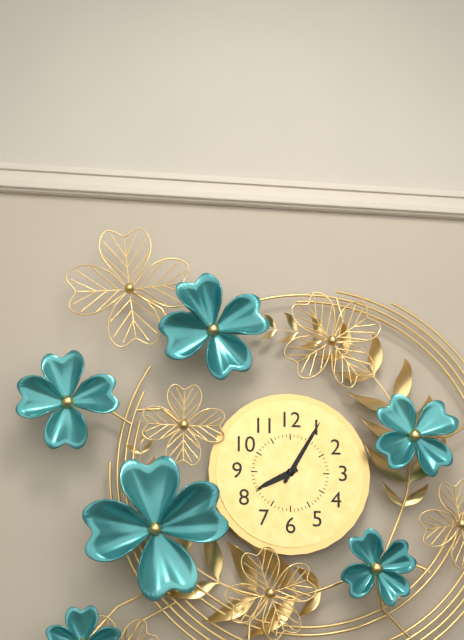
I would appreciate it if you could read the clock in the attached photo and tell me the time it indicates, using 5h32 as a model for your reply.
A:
8h05
